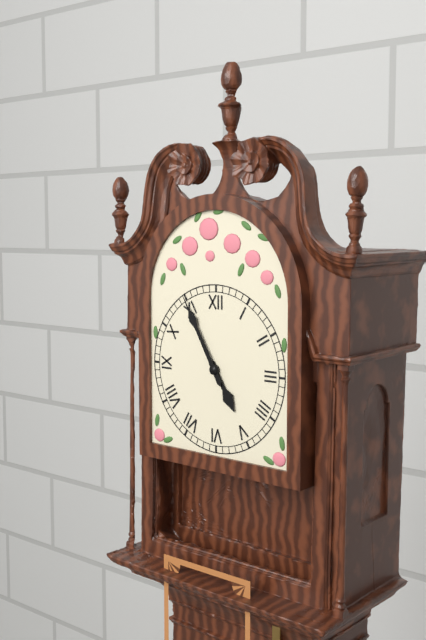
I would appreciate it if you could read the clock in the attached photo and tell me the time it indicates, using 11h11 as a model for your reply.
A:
4h55
